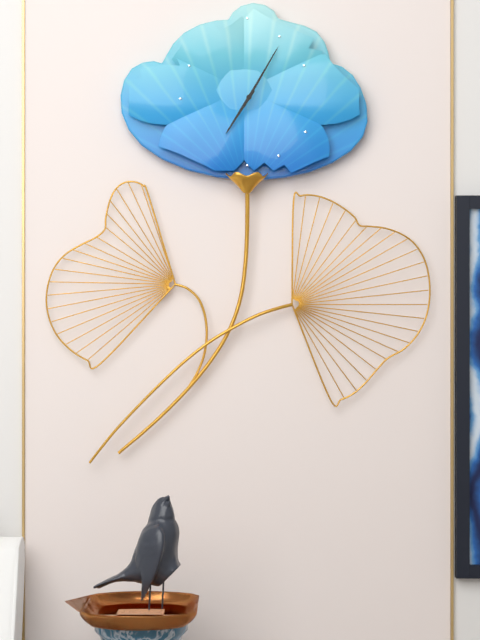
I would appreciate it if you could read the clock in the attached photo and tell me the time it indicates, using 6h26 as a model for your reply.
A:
7h05
